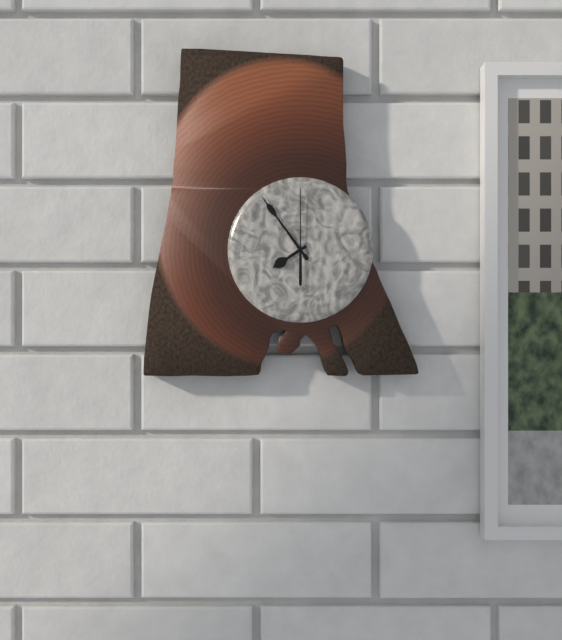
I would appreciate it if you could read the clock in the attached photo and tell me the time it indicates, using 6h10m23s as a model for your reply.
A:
7h54m00s
